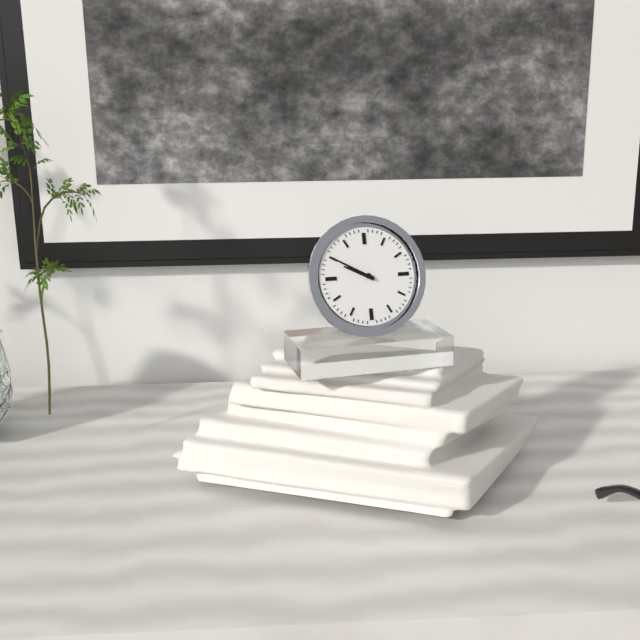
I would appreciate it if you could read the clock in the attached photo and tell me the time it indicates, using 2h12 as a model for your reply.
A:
9h50
